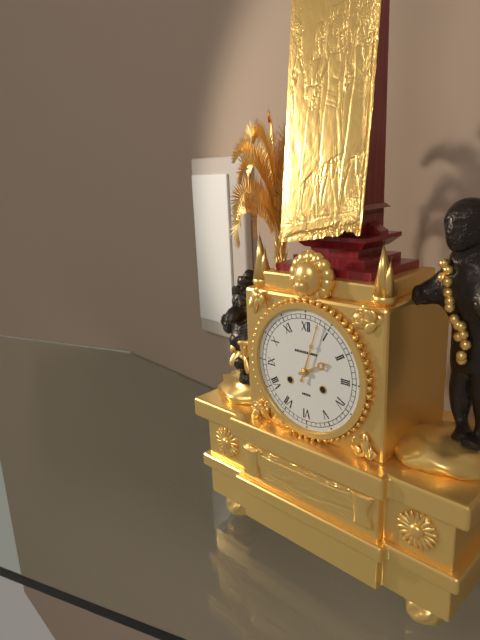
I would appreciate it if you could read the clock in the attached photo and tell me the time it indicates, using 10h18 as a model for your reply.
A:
2h03
